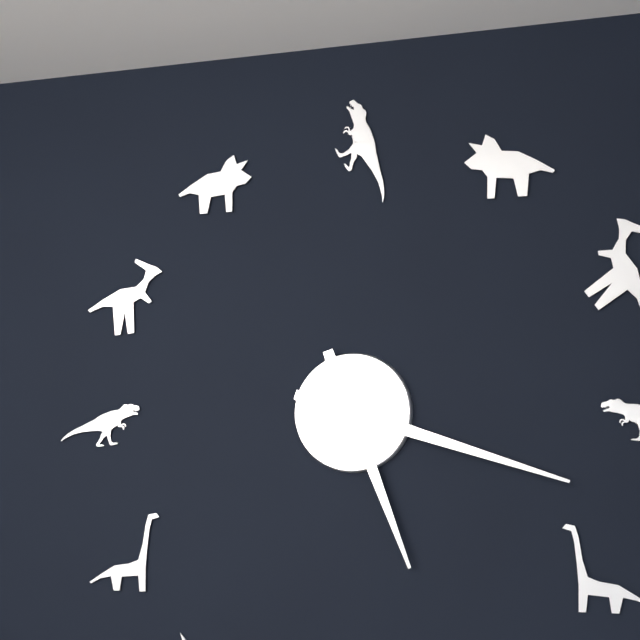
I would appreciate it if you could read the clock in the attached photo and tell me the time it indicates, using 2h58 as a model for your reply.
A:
5h18
